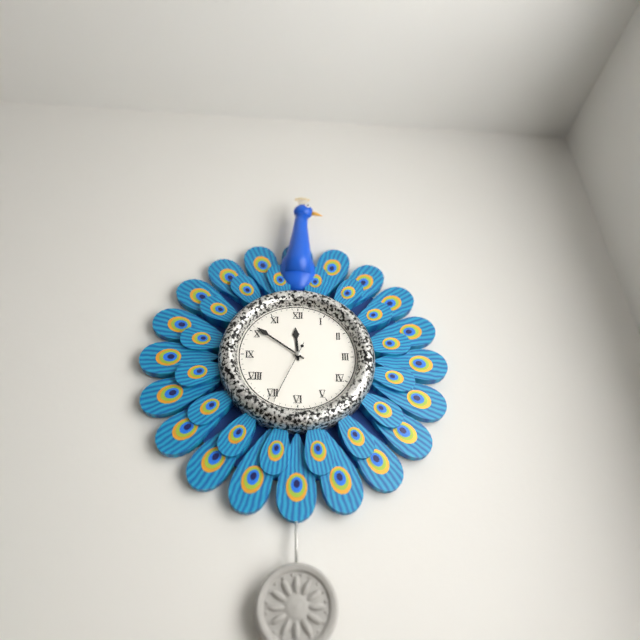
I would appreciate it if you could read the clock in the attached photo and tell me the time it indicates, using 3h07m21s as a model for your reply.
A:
11h51m34s
